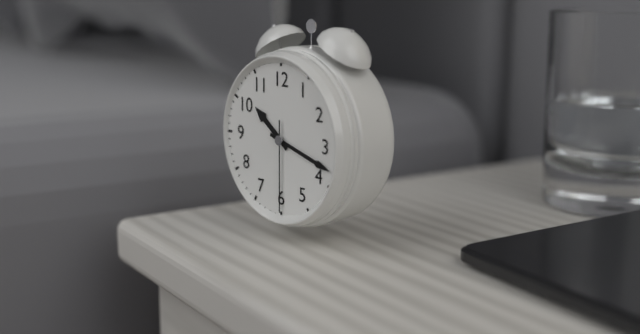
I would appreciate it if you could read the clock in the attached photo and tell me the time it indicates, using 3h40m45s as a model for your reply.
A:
10h18m30s
